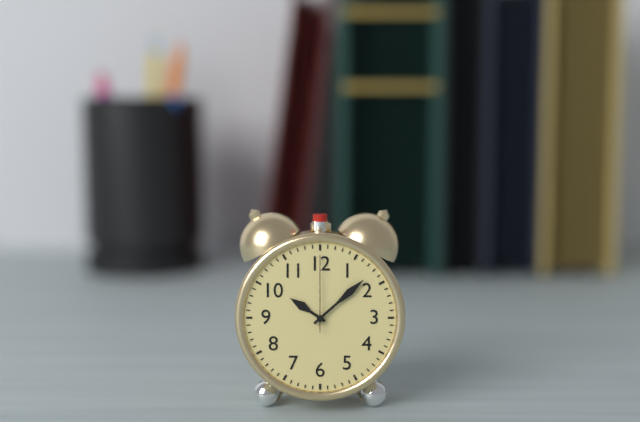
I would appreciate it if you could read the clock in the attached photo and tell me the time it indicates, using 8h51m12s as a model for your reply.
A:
10h08m00s
